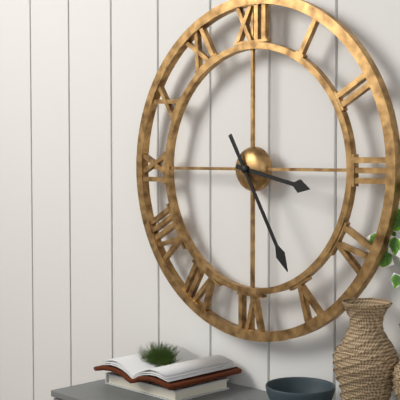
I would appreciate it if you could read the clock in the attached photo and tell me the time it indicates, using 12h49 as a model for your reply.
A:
3h25
